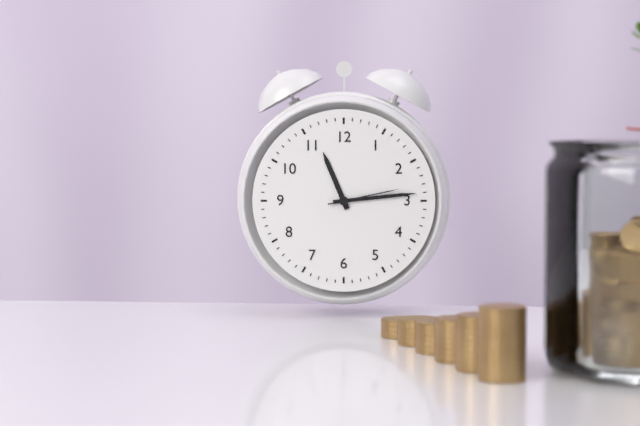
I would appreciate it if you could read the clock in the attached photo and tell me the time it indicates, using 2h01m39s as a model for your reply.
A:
11h14m13s
